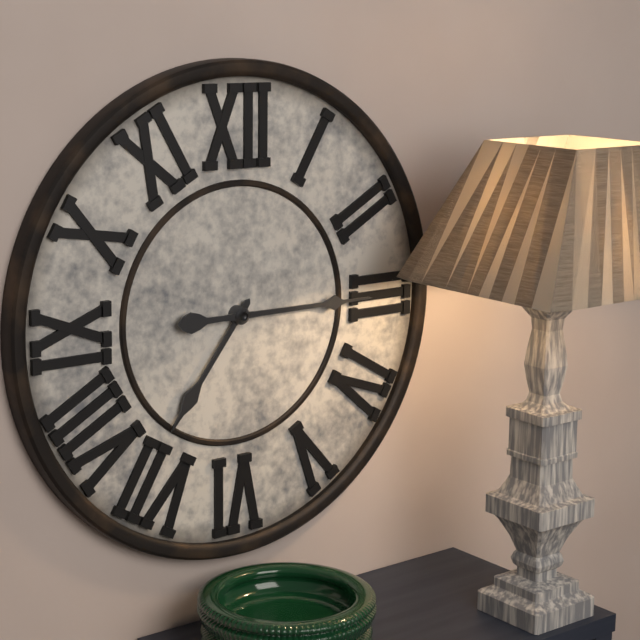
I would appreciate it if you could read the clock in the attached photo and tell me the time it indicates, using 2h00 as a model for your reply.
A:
7h15
